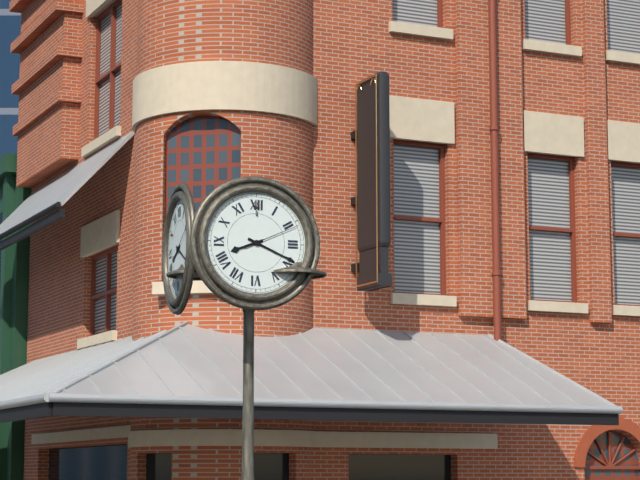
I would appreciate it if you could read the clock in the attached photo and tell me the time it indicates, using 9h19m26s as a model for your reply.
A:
8h19m11s
